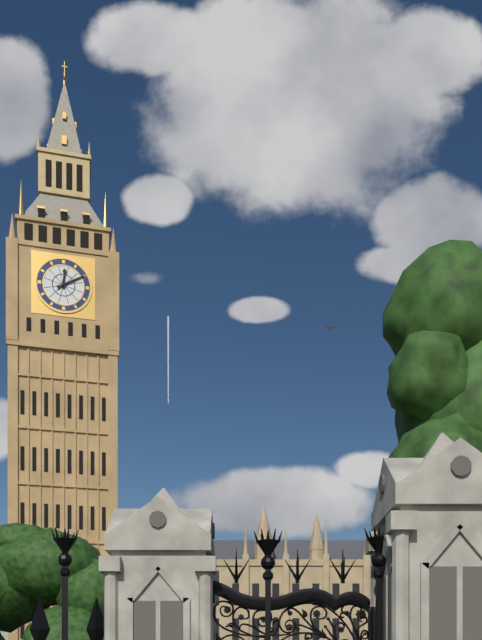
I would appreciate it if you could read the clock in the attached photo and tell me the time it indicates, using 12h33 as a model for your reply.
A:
12h10
